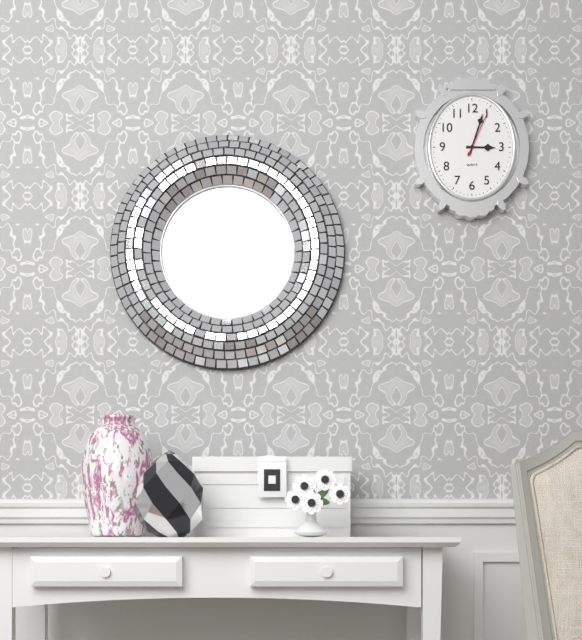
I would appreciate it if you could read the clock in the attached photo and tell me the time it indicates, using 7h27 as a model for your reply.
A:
3h03
